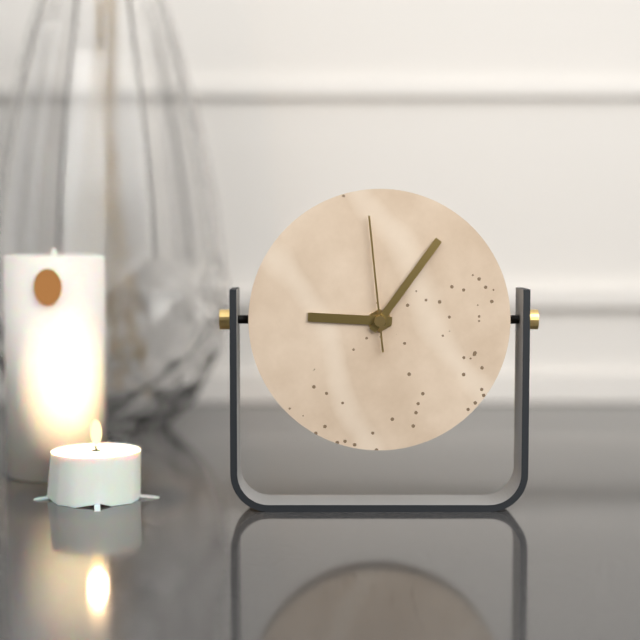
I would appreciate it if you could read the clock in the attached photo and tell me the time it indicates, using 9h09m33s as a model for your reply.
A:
9h06m59s
